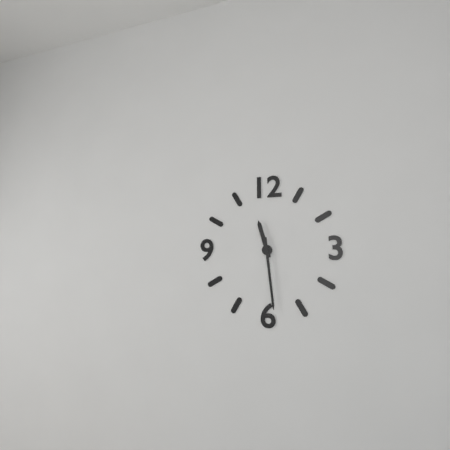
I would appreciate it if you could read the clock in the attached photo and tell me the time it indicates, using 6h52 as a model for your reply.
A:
11h29
